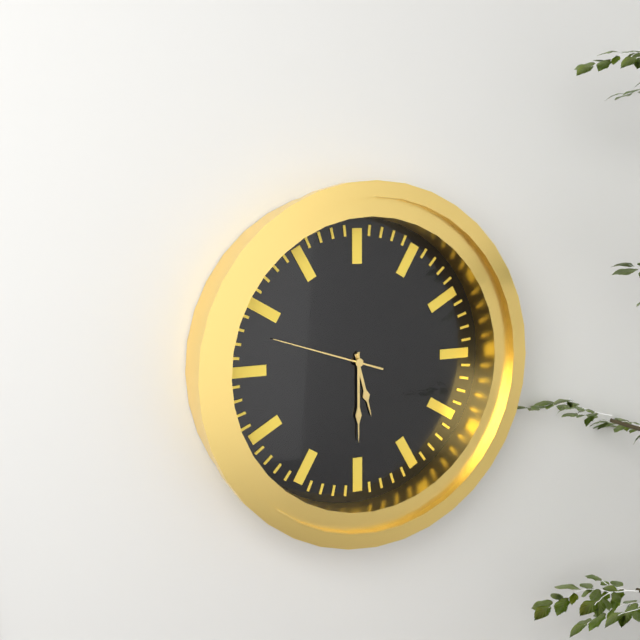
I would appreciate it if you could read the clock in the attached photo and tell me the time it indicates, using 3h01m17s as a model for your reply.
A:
5h30m48s
